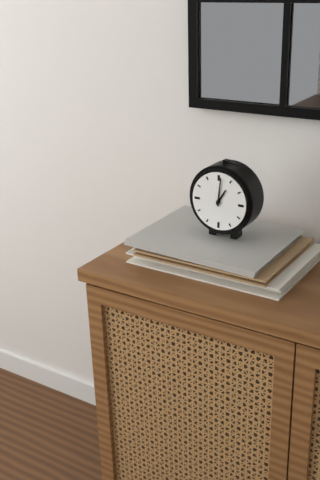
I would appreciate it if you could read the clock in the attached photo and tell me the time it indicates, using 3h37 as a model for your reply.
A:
1h01
